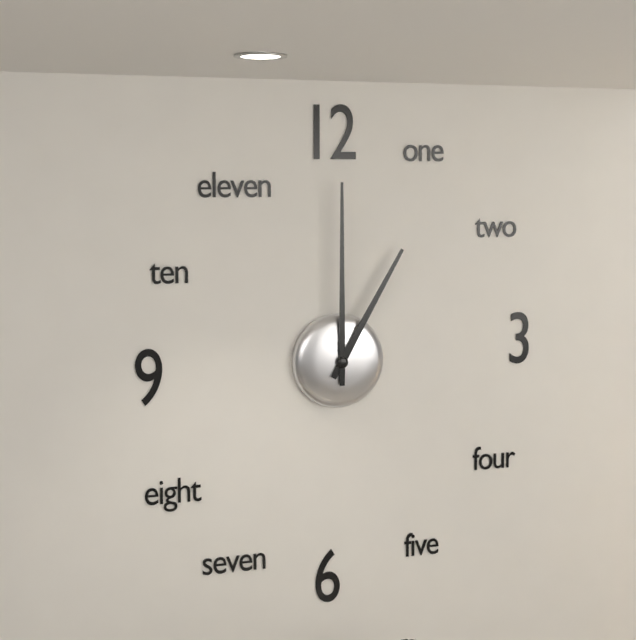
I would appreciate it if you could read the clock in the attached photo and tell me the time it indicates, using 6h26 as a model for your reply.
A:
1h00
